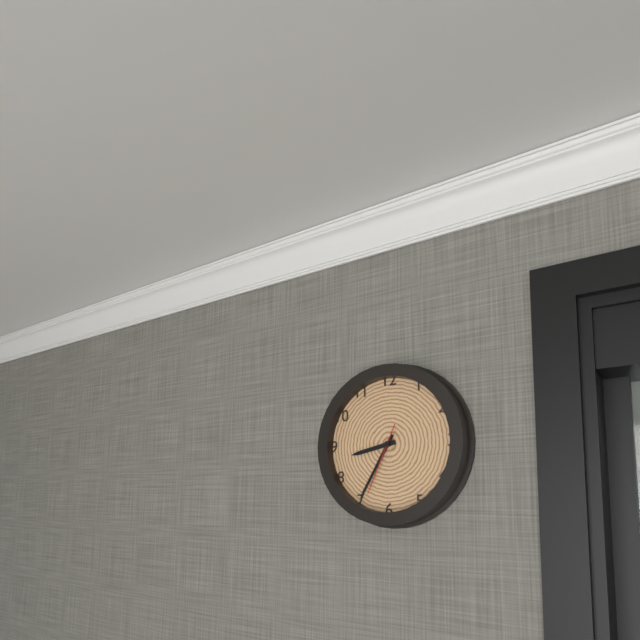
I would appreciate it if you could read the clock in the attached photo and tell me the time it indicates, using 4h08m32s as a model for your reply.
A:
8h35m34s
